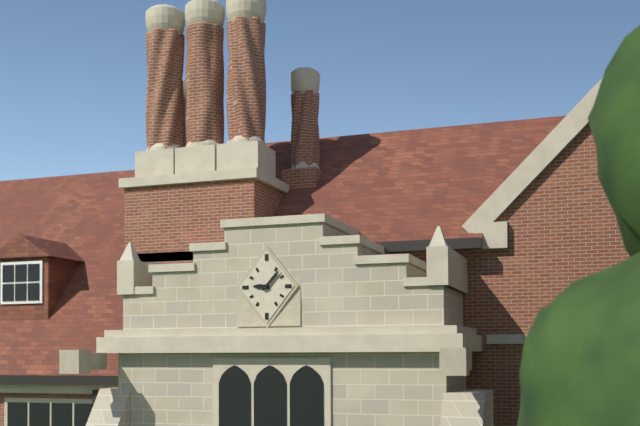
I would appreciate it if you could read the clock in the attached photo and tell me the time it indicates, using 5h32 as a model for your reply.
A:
9h07
